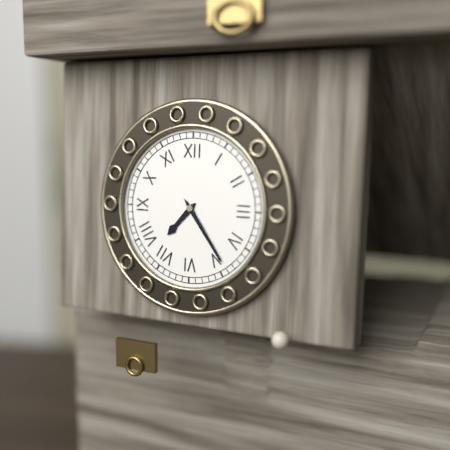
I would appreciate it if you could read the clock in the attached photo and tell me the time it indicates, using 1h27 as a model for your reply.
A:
7h24
